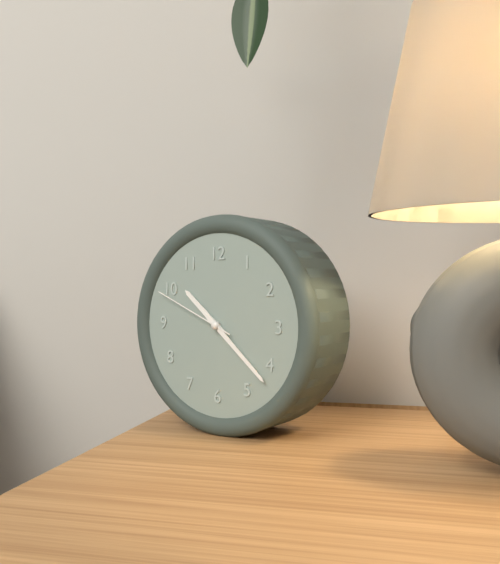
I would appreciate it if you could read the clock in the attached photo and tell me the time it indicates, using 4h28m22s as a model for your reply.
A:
10h22m49s
